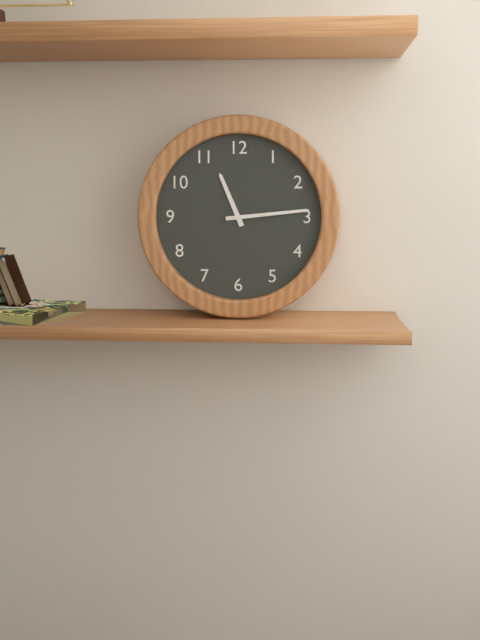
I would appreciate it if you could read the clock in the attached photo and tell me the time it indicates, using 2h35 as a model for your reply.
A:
11h14
